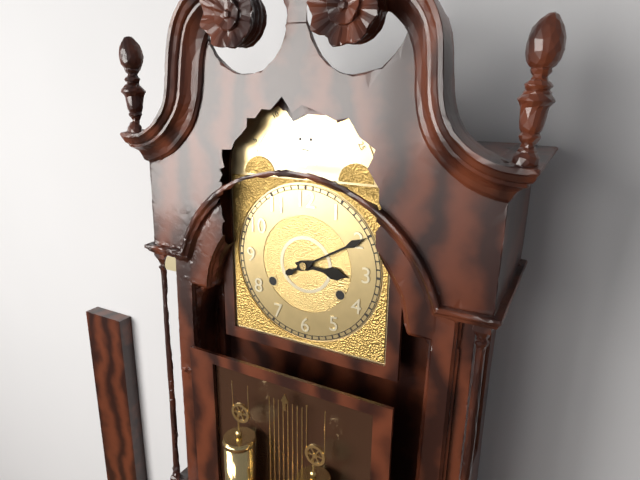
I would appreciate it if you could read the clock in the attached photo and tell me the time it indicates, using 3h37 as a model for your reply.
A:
3h10
